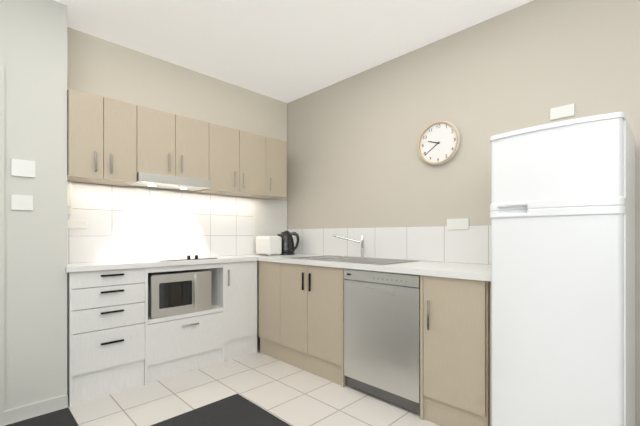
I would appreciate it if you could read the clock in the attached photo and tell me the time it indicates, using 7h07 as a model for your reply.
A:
9h39
